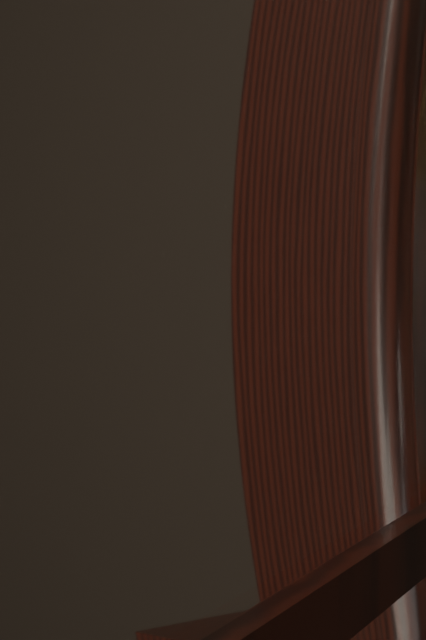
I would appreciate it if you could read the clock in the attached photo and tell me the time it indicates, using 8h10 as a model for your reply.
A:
9h08
